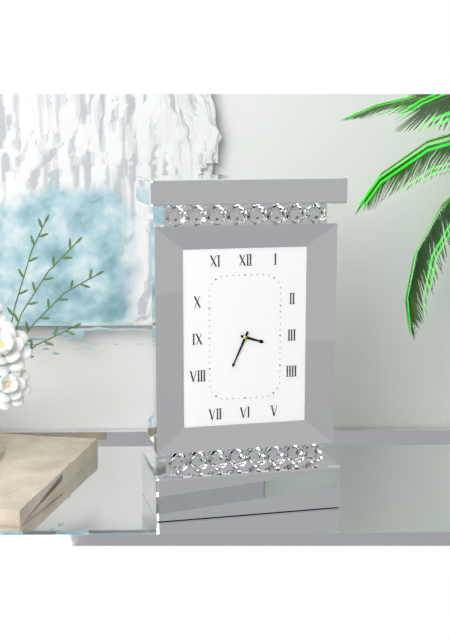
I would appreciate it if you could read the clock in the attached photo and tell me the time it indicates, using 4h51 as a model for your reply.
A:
3h34
